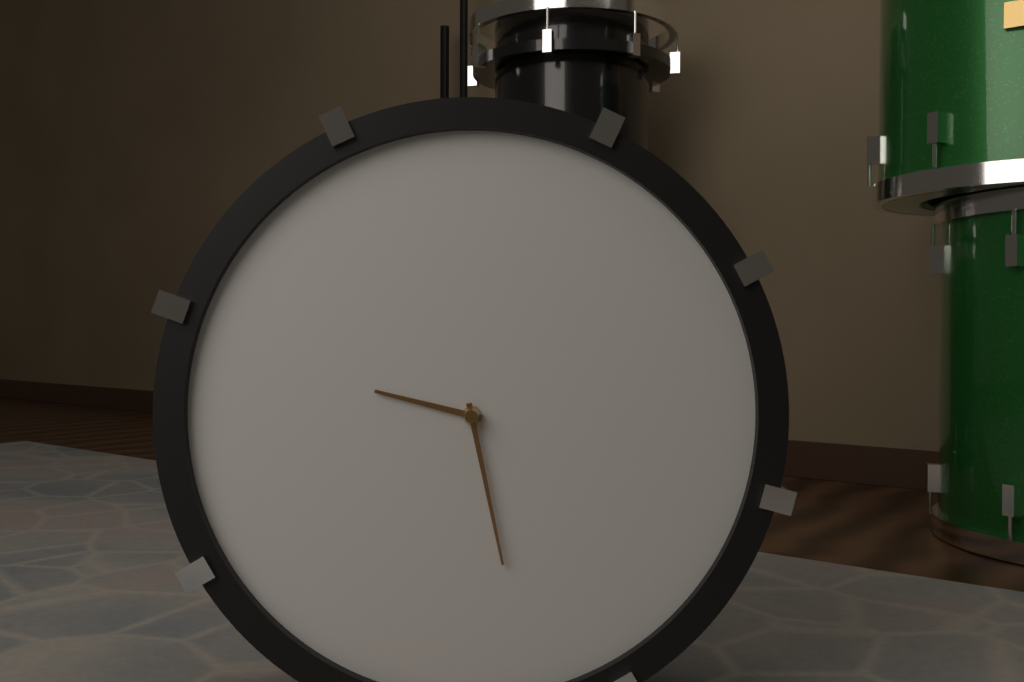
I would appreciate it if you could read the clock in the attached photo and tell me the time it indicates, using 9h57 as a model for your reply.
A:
9h28
